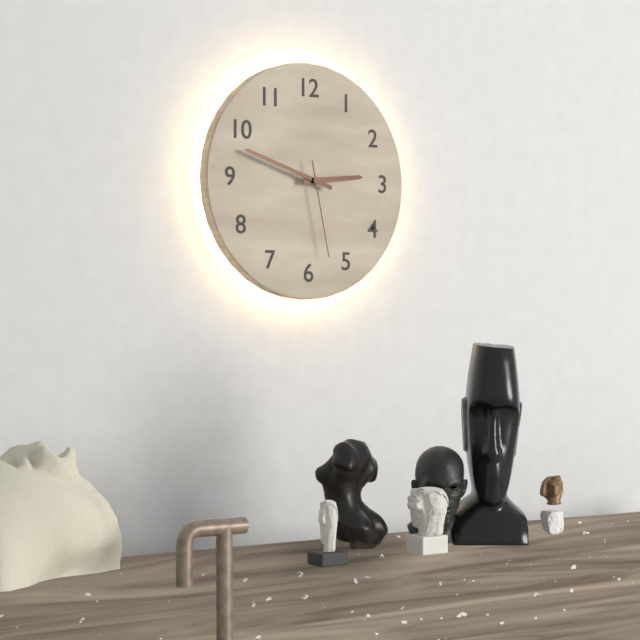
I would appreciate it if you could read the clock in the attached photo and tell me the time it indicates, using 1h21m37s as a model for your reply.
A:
2h48m28s
